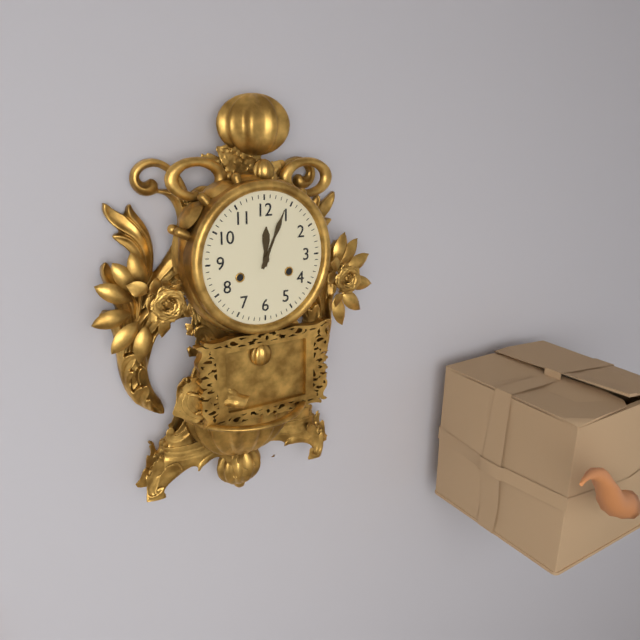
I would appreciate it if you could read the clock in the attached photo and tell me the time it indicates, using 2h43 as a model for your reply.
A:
12h04
